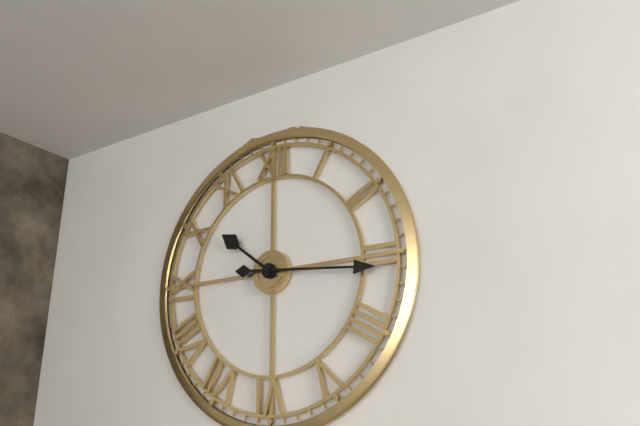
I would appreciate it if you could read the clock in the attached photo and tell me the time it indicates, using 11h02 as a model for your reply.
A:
10h16
